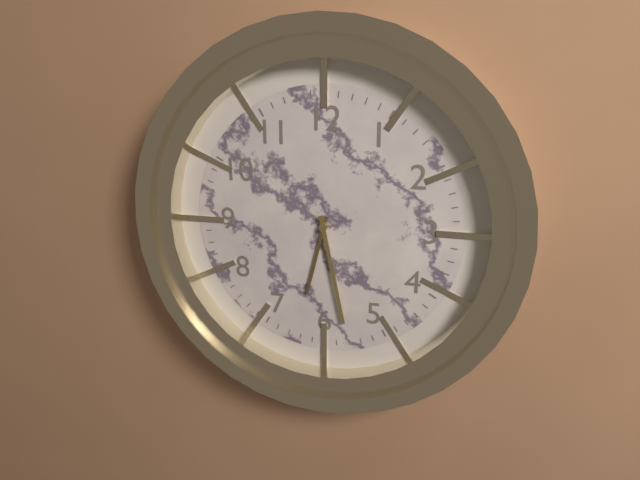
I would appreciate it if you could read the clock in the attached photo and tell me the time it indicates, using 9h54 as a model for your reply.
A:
6h28
